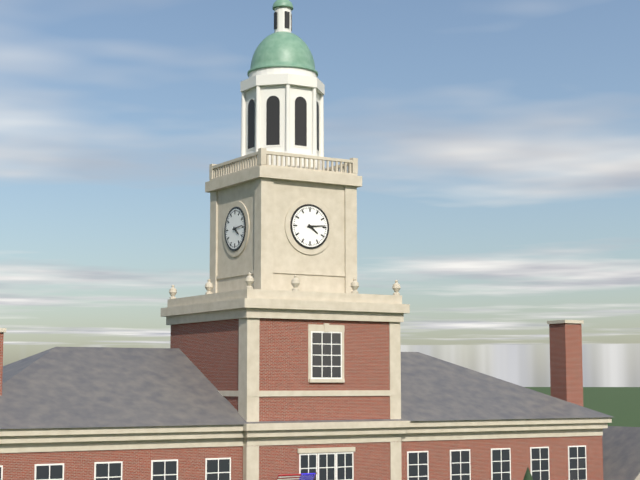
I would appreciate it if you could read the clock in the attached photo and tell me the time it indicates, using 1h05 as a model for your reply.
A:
4h14
